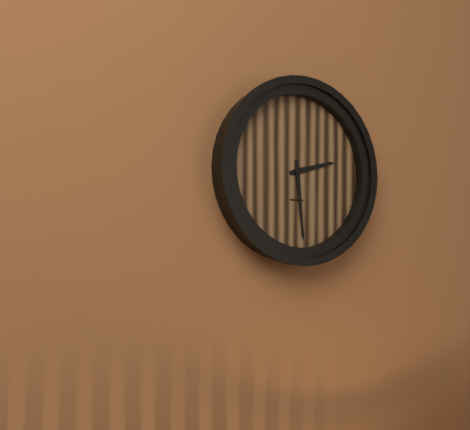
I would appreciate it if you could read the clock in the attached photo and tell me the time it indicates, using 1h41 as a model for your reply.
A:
2h29
